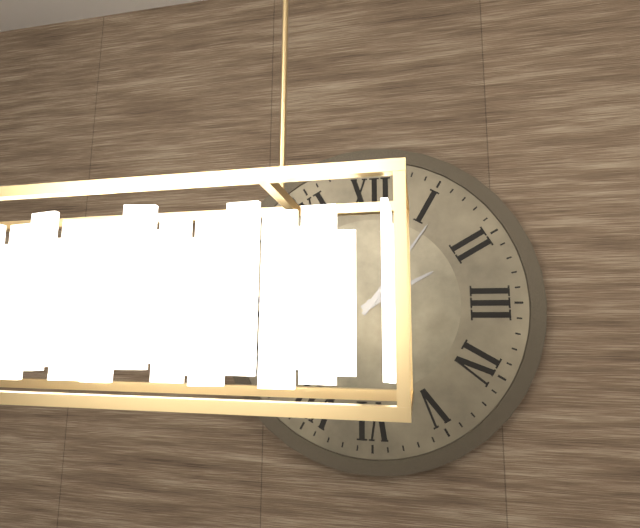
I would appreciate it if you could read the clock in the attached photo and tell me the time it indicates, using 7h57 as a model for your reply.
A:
2h06
